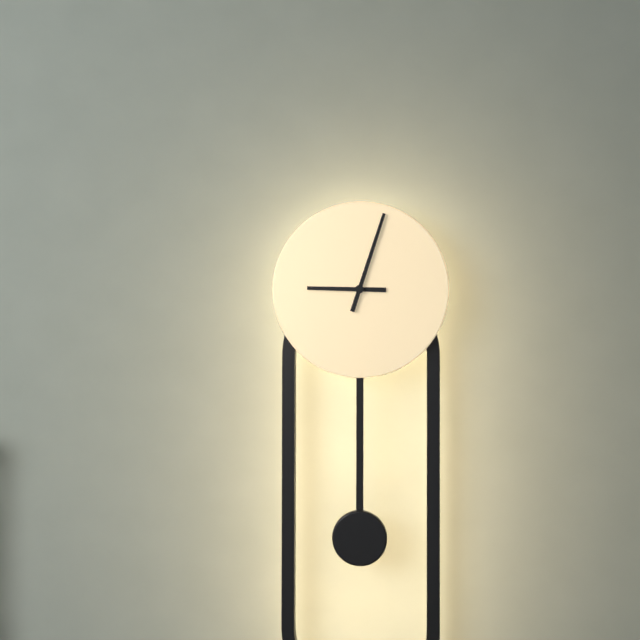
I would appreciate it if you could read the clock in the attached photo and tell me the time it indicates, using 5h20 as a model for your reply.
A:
9h03
